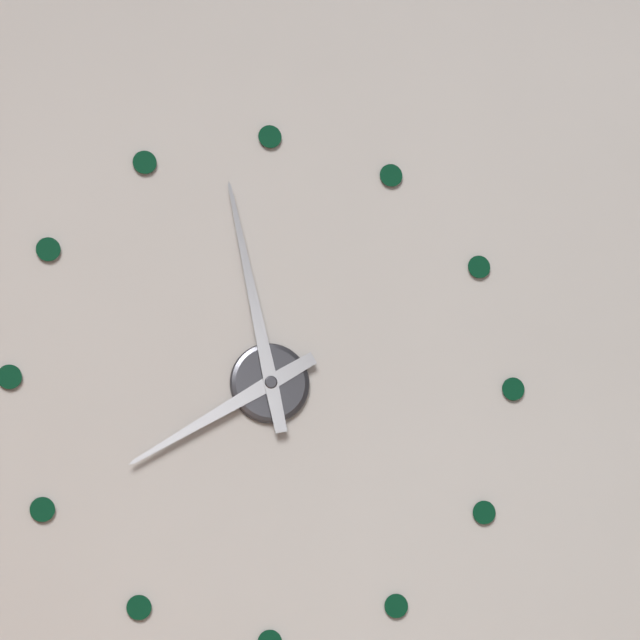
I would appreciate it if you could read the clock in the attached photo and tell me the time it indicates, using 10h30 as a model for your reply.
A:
7h58
